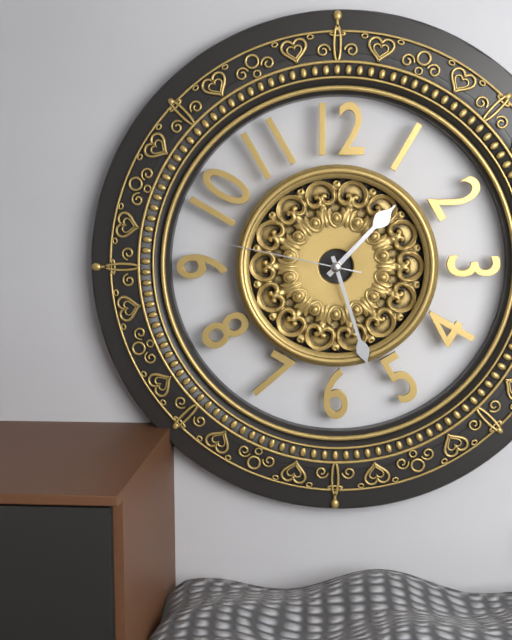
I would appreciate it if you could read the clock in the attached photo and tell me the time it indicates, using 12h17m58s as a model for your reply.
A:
1h27m47s
